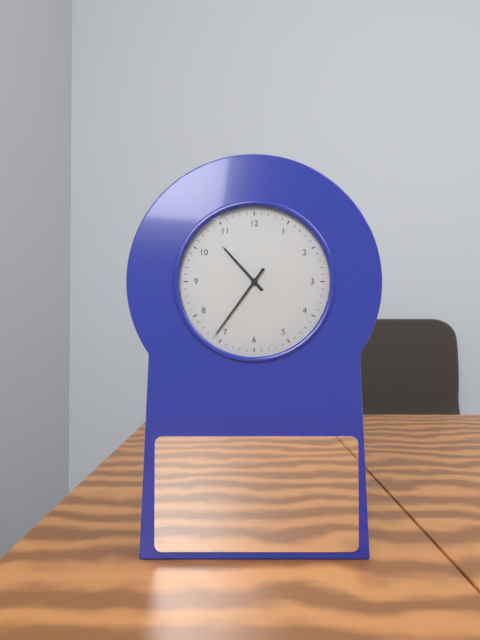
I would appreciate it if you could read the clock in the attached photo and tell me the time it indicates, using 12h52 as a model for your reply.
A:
10h36
